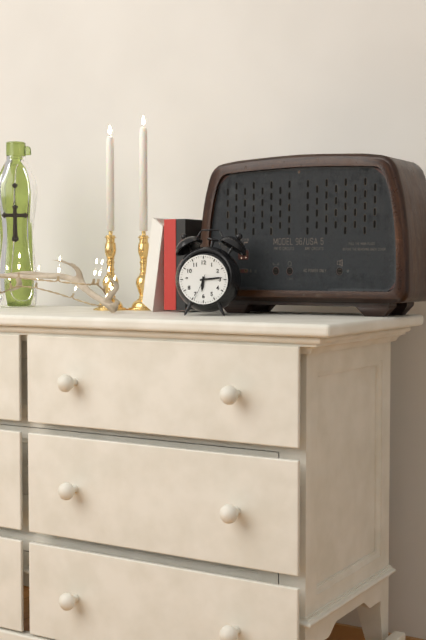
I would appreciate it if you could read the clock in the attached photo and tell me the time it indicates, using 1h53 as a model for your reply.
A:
6h14
